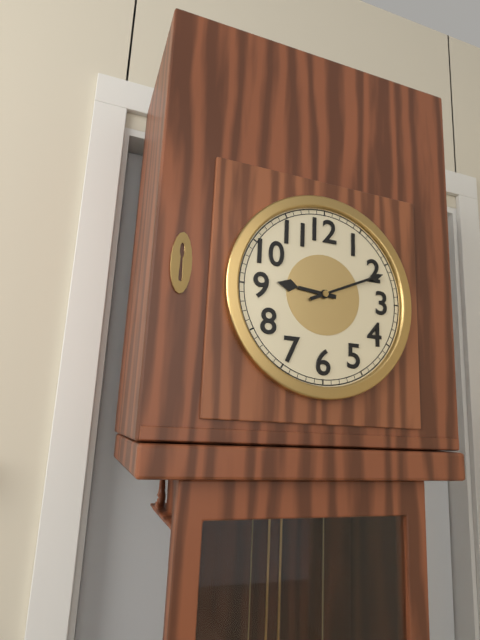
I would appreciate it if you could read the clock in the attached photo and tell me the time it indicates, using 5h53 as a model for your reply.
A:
9h11
